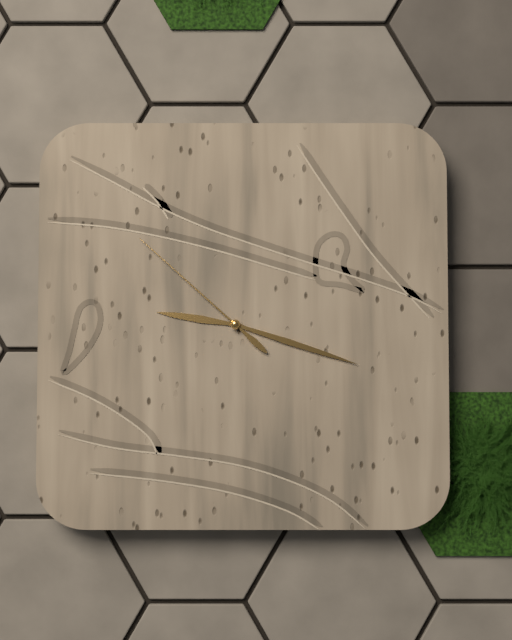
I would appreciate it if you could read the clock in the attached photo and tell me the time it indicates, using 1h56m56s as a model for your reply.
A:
9h18m52s
